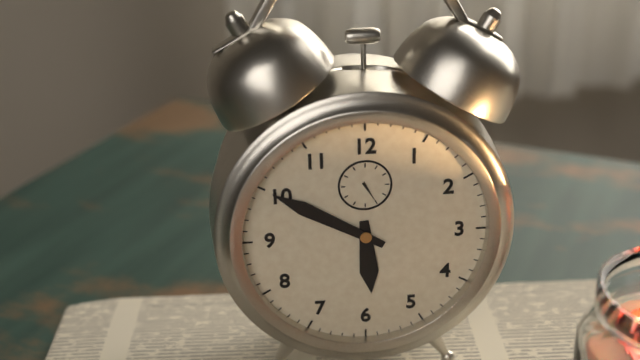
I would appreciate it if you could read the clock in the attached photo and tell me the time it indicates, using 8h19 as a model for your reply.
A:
5h50
